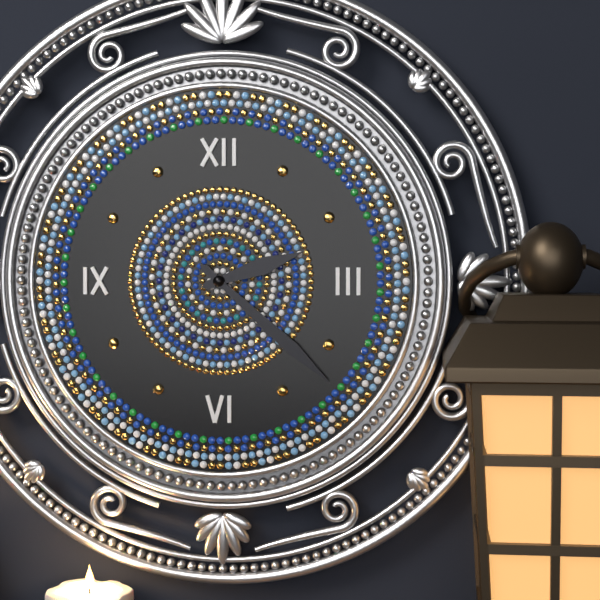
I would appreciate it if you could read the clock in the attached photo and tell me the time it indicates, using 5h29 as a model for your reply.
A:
2h22
